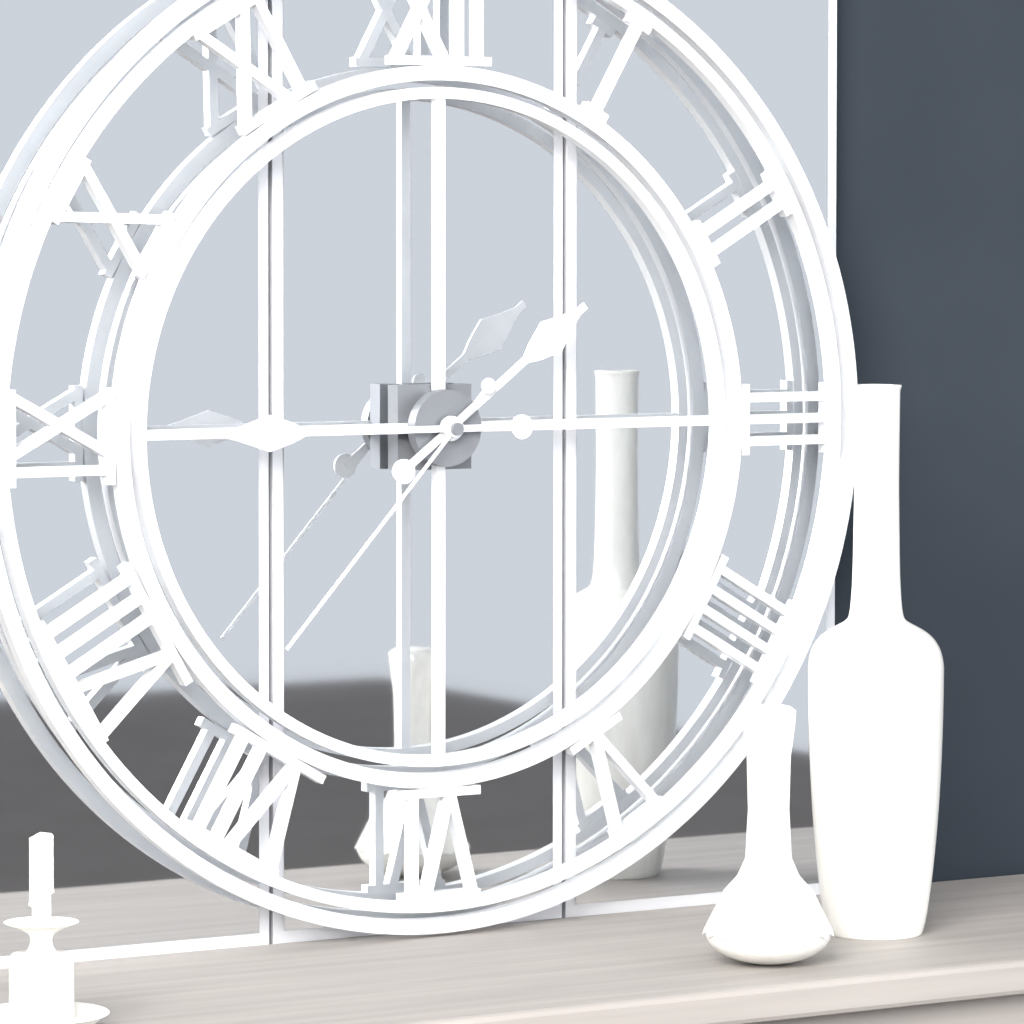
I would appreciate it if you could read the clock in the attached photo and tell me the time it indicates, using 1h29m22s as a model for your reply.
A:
1h45m37s
